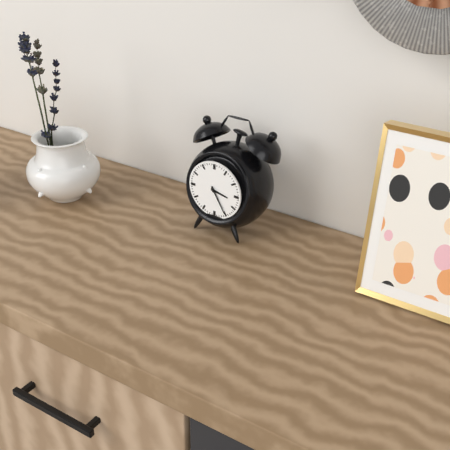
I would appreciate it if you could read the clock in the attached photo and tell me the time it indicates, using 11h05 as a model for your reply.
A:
3h25
